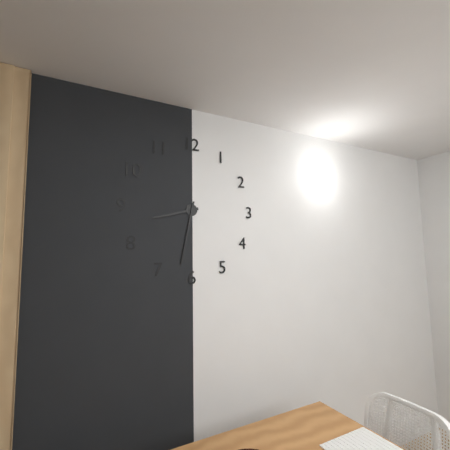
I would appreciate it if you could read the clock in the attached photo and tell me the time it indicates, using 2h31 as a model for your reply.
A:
8h32
